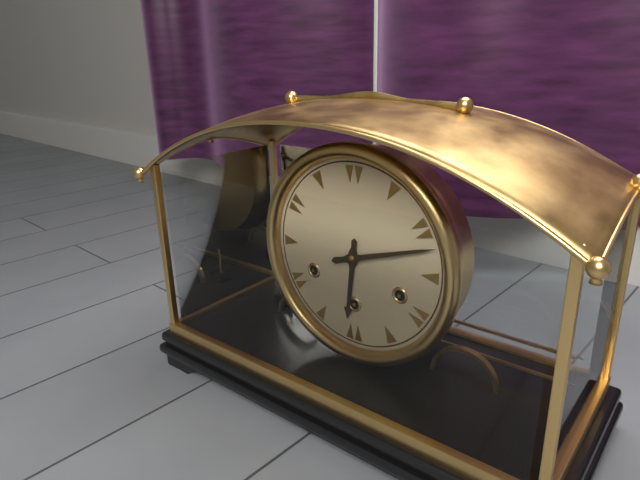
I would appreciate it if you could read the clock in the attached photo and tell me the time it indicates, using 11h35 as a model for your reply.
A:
6h12
